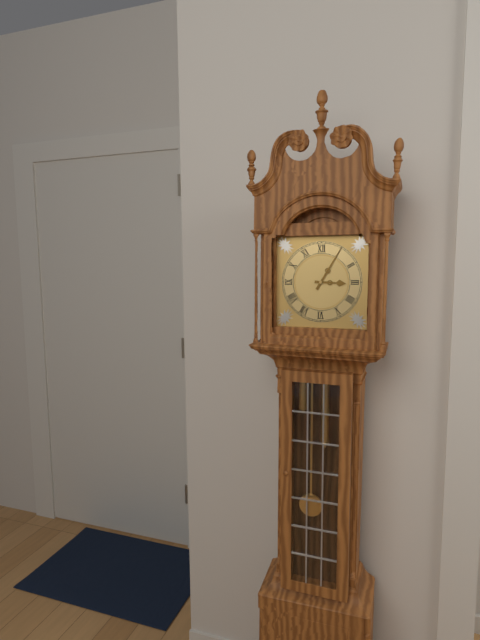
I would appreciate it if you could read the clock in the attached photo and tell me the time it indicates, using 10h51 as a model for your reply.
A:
3h05
